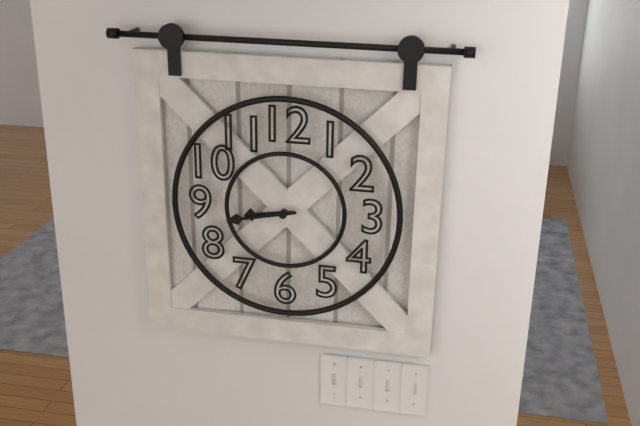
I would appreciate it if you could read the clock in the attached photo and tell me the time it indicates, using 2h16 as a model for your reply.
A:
8h43
